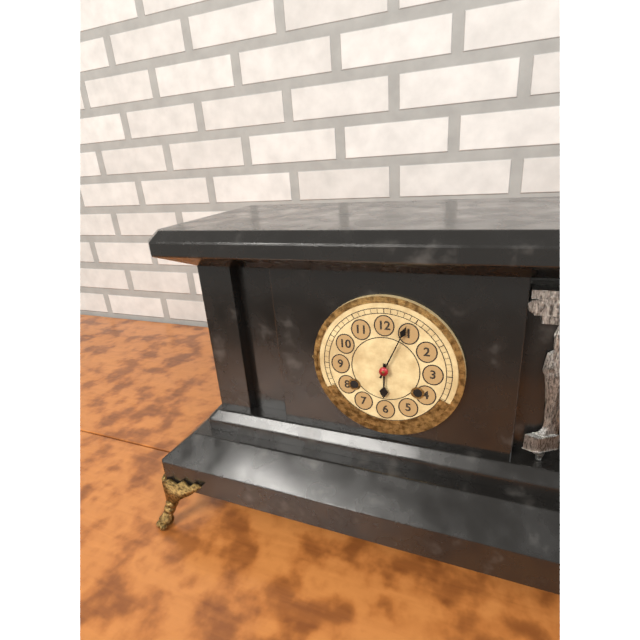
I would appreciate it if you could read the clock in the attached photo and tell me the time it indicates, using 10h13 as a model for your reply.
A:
6h04
